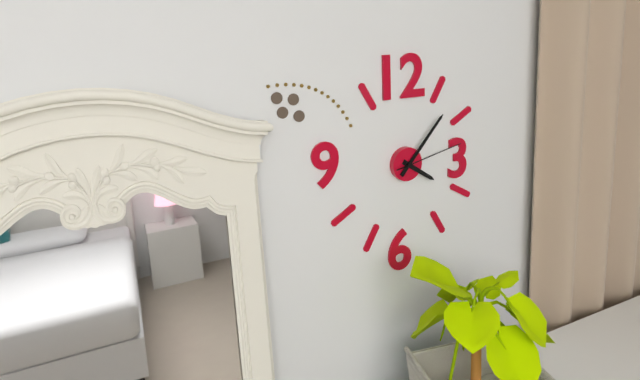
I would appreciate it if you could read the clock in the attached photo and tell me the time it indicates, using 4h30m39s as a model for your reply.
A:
4h07m13s
